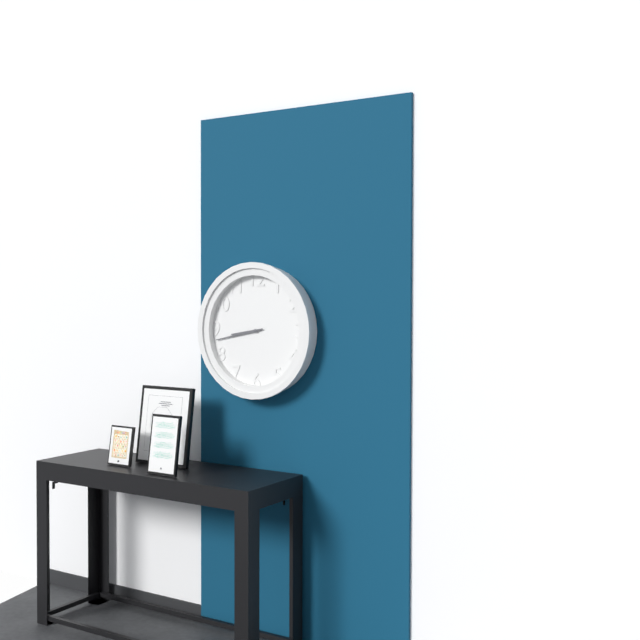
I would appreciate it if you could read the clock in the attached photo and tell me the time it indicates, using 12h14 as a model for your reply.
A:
8h43
